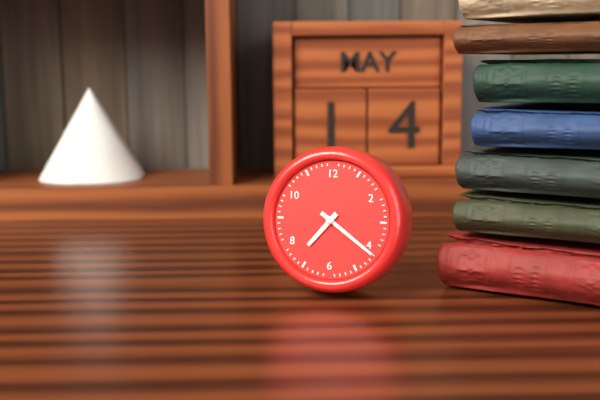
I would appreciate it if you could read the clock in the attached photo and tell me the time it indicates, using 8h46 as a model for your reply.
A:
7h21
